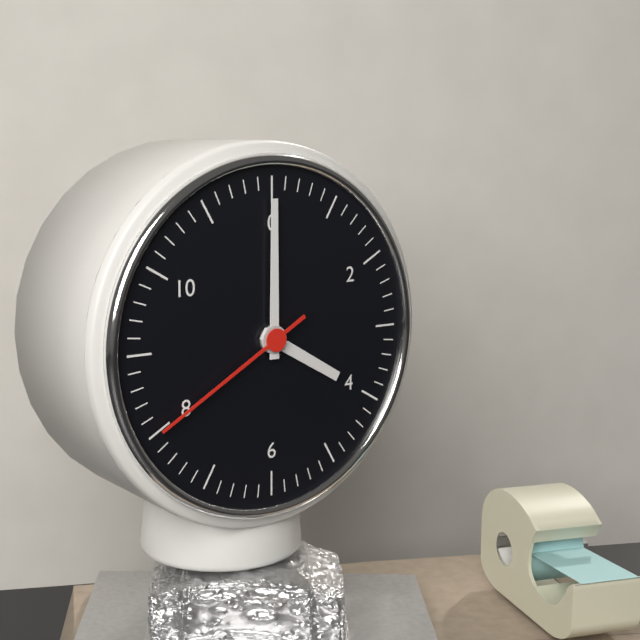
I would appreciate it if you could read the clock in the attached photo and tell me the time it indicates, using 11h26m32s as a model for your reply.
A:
4h00m40s
